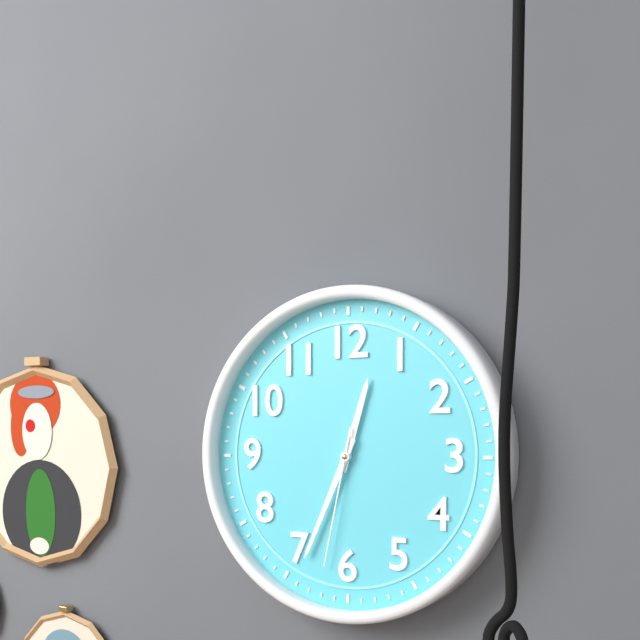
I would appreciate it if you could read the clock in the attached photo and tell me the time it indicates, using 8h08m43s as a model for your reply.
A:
12h34m32s
